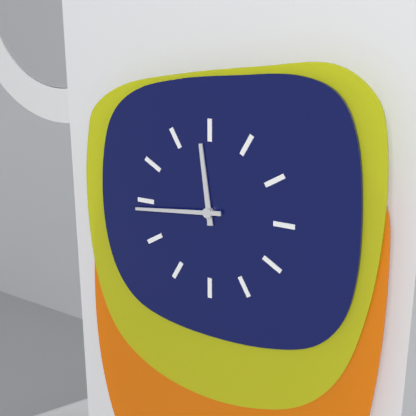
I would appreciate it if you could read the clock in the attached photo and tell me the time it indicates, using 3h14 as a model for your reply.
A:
11h44
